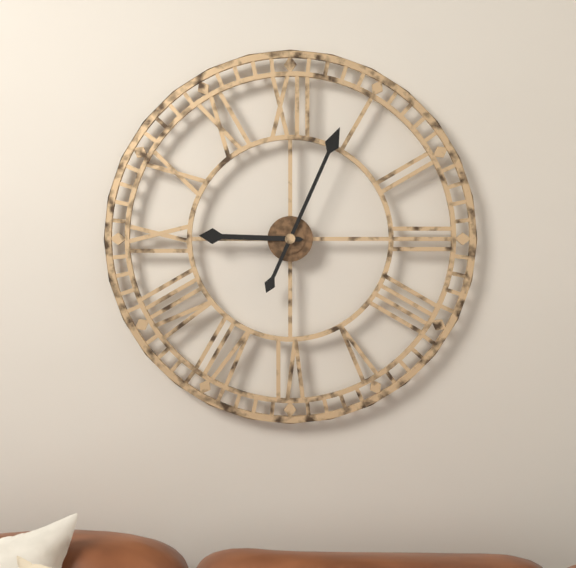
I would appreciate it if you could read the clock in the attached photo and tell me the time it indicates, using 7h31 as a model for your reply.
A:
9h04
